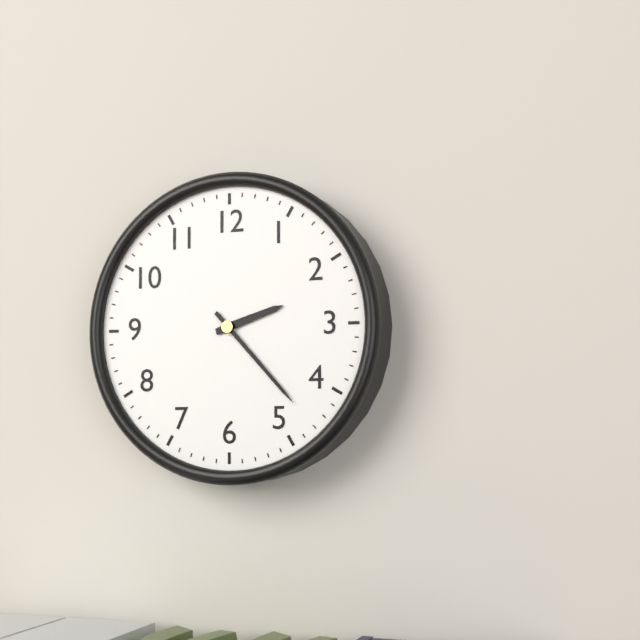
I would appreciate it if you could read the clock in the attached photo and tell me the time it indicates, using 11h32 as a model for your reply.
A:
2h23
